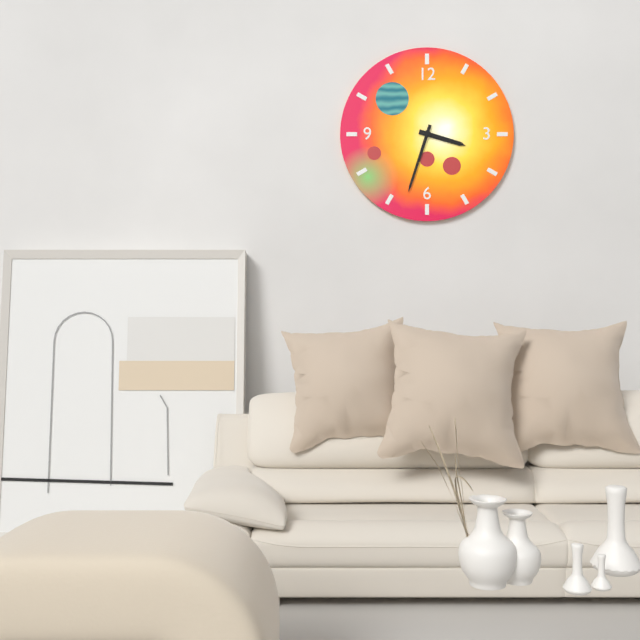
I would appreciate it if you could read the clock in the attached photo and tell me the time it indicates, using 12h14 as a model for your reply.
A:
3h33
